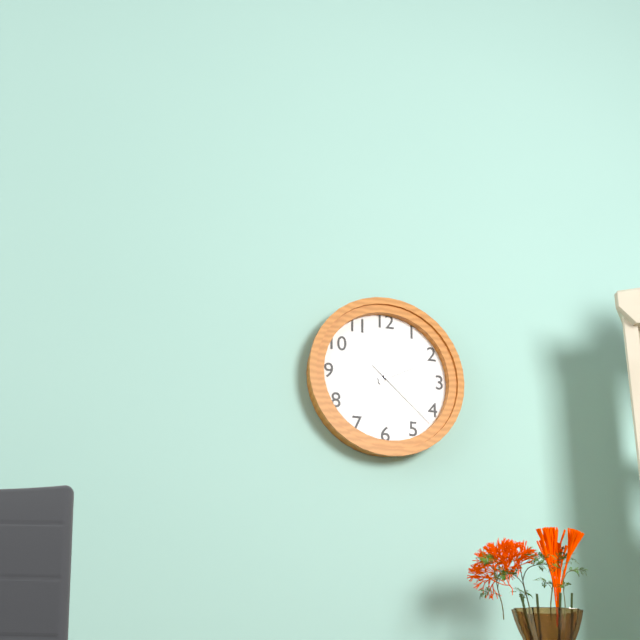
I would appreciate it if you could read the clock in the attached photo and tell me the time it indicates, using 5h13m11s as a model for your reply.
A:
2h07m22s
